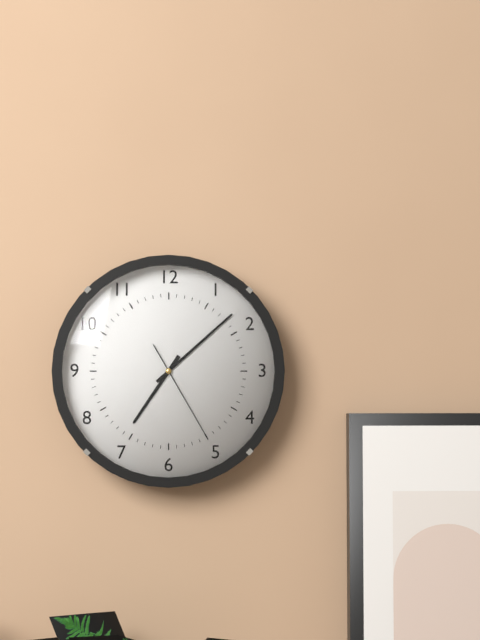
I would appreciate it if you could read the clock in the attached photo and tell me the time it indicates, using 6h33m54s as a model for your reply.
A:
7h08m25s
